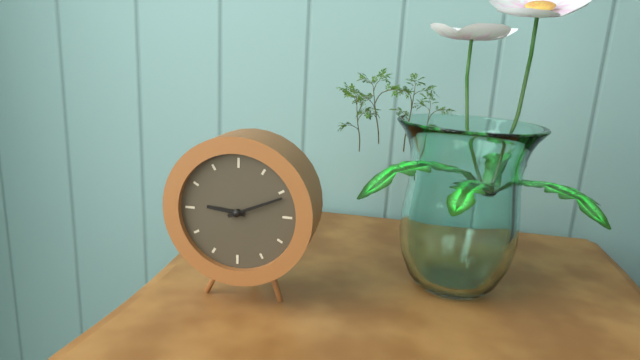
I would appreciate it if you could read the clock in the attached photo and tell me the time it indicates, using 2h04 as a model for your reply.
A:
9h11
